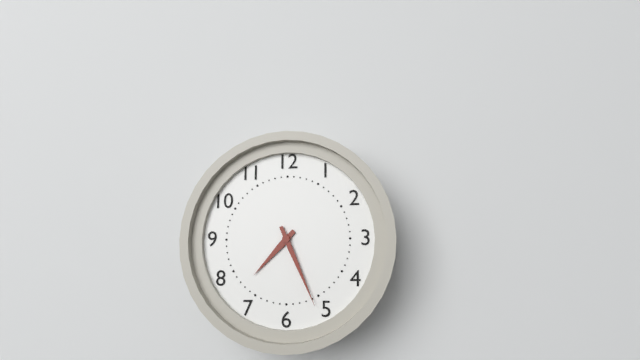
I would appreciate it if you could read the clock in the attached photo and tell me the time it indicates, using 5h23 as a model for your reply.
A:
7h26
